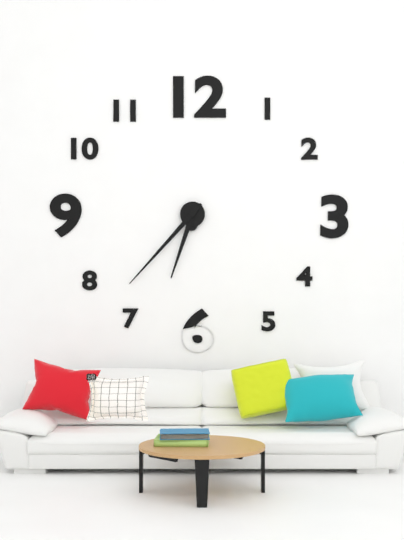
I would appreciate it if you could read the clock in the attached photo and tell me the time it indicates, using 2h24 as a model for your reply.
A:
6h37
